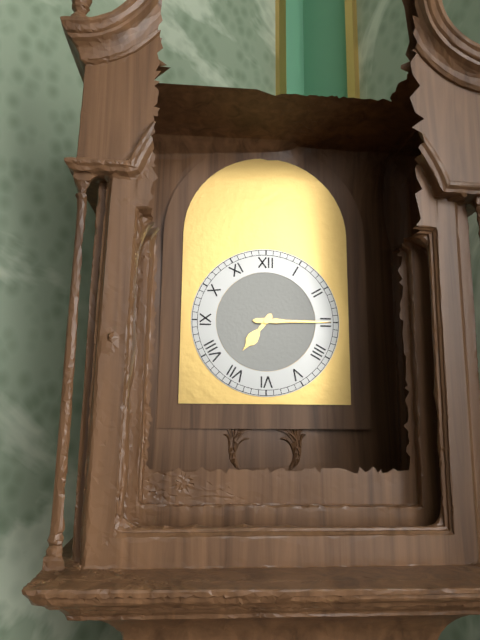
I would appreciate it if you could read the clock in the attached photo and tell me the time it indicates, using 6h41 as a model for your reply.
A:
7h15
